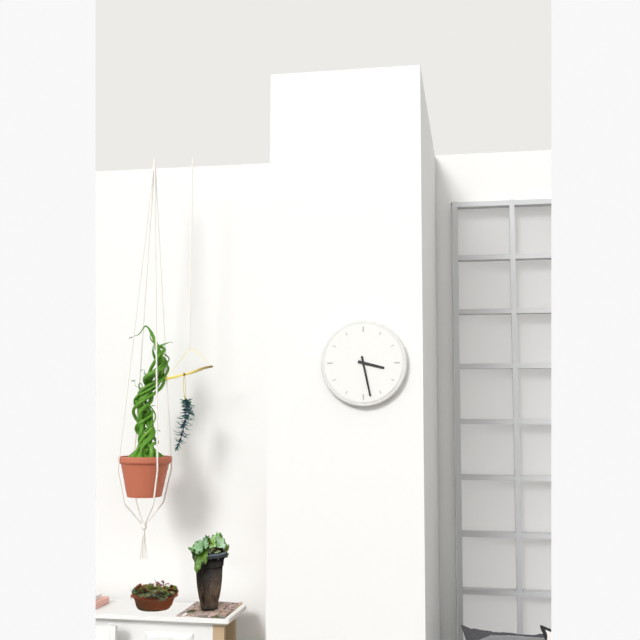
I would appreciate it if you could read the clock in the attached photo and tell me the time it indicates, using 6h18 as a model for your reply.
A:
3h28
